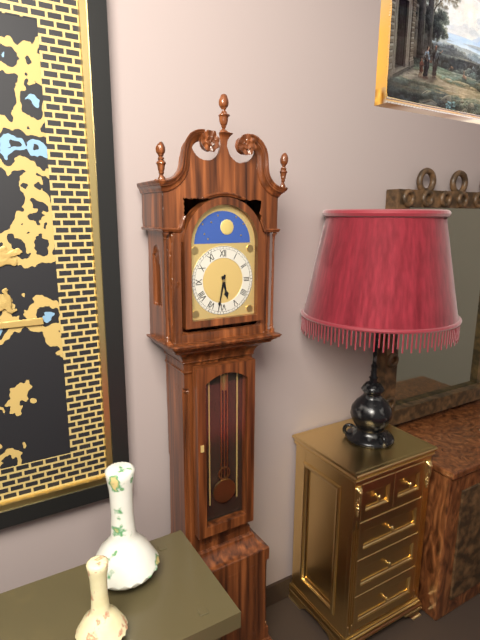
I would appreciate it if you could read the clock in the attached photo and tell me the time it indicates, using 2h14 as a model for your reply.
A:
5h32
